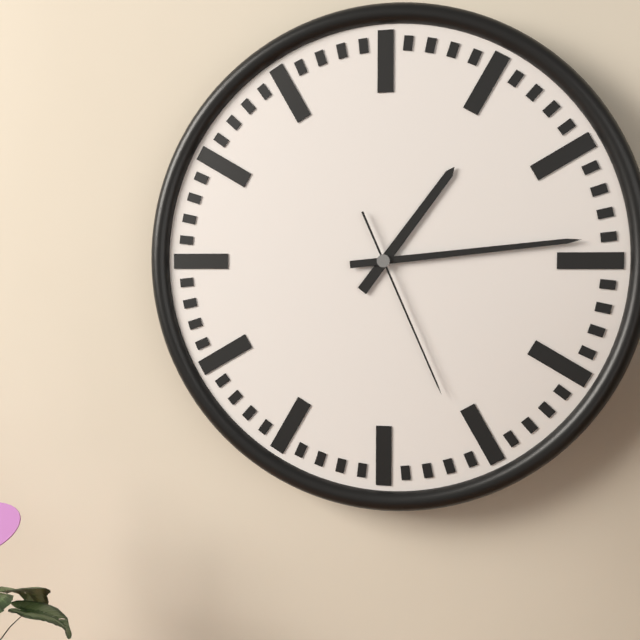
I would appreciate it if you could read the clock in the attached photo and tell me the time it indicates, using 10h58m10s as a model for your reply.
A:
1h14m26s
